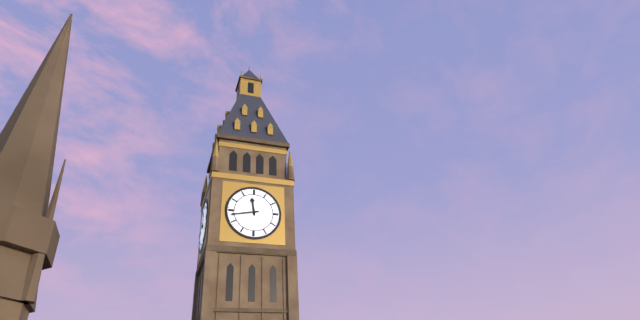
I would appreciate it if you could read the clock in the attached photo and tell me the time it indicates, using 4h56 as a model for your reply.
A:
11h43
